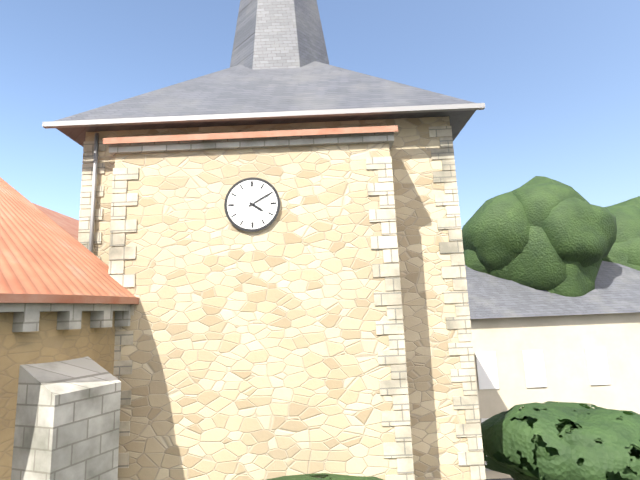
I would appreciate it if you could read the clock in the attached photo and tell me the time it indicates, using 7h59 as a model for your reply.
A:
4h10
